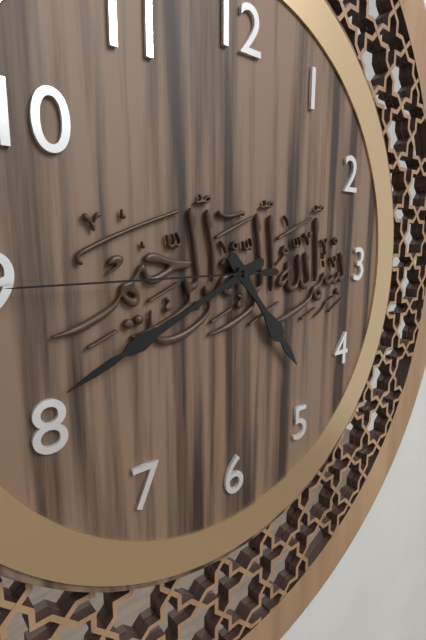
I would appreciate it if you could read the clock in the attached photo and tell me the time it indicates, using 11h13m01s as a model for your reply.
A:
4h41m45s
